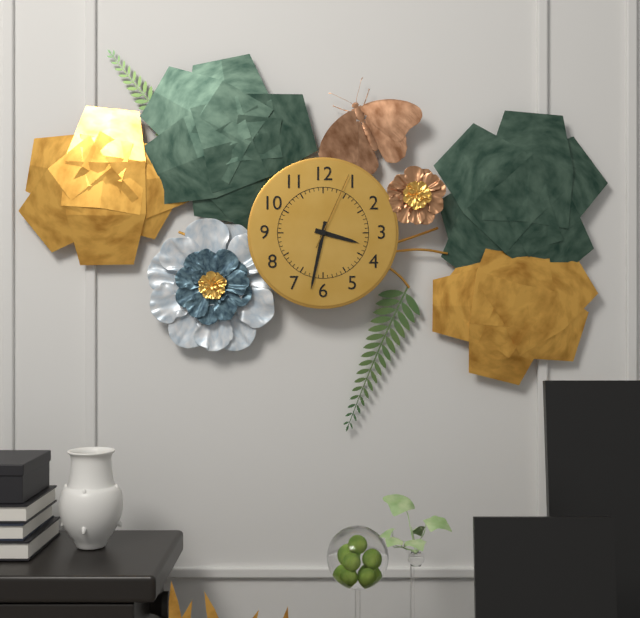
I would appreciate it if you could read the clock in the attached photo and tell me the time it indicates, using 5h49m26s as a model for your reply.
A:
3h32m04s
